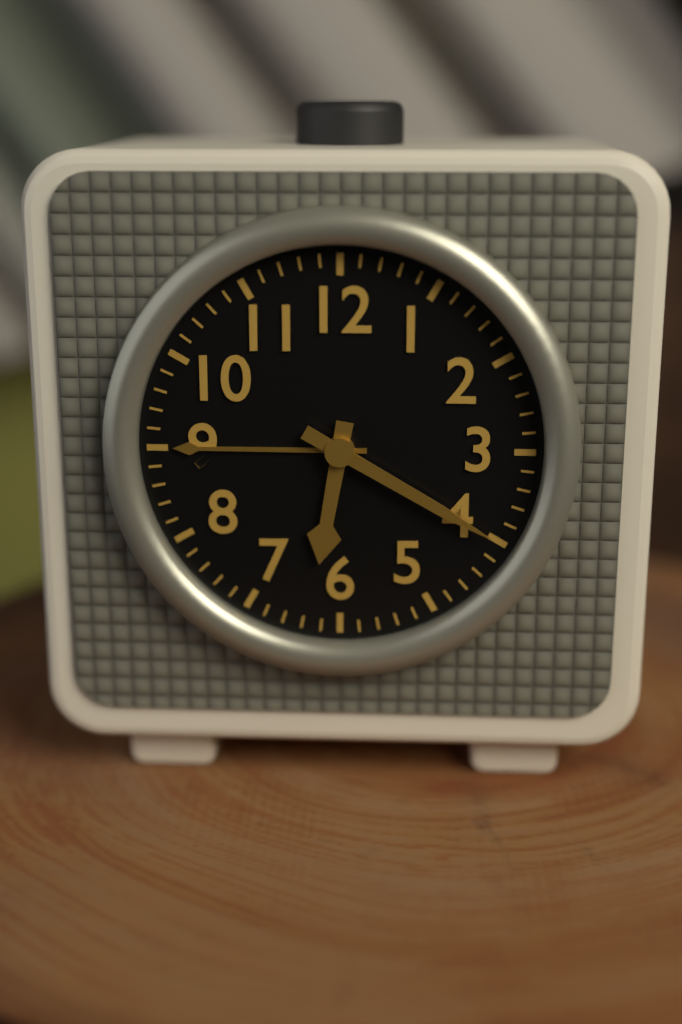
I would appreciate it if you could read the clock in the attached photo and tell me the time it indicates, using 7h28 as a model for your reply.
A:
6h20
